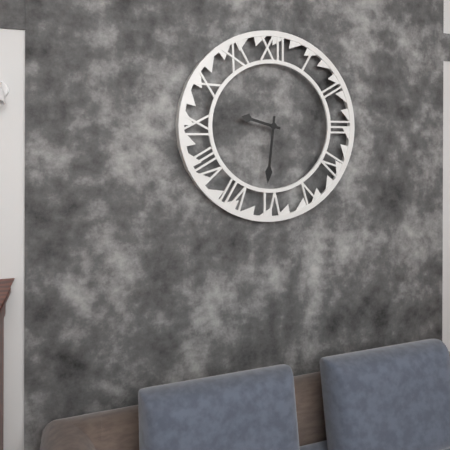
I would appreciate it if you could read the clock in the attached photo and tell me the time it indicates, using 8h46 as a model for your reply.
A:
9h31
